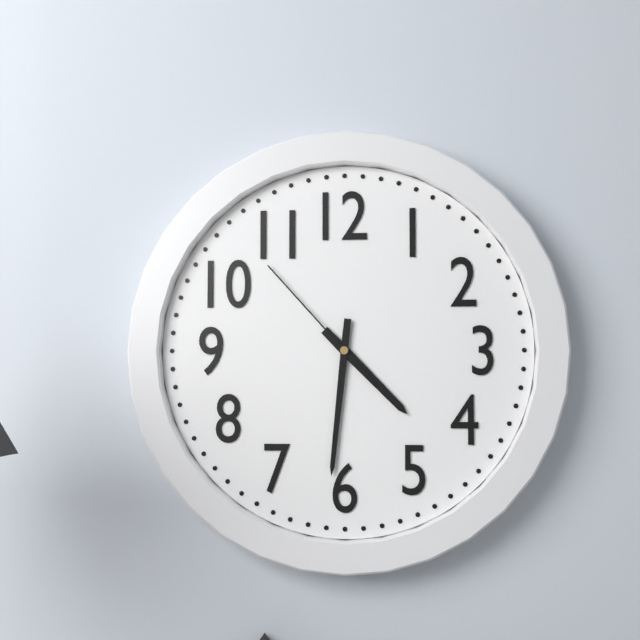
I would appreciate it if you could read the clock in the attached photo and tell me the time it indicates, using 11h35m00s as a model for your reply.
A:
4h31m53s
